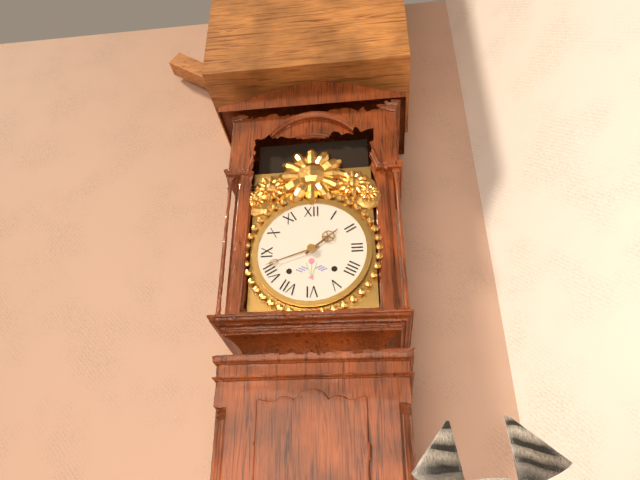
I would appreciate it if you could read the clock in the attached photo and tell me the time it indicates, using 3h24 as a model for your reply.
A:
1h42
